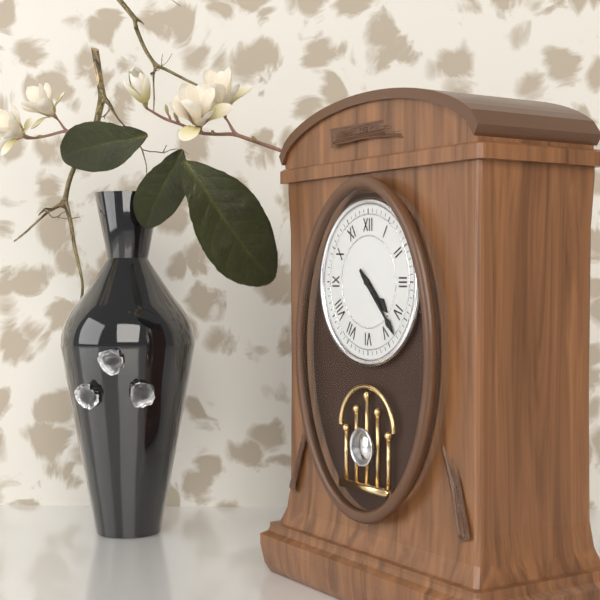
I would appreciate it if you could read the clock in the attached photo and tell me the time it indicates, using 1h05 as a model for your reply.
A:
4h23
